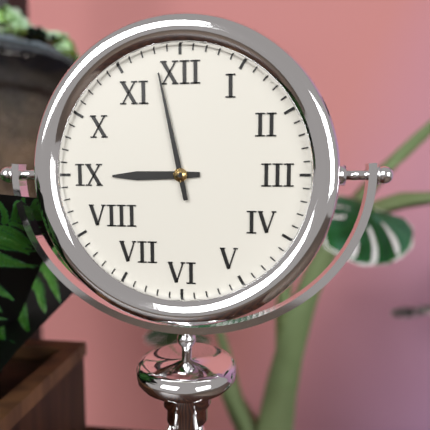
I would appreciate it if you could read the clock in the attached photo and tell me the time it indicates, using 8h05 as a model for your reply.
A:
8h58
